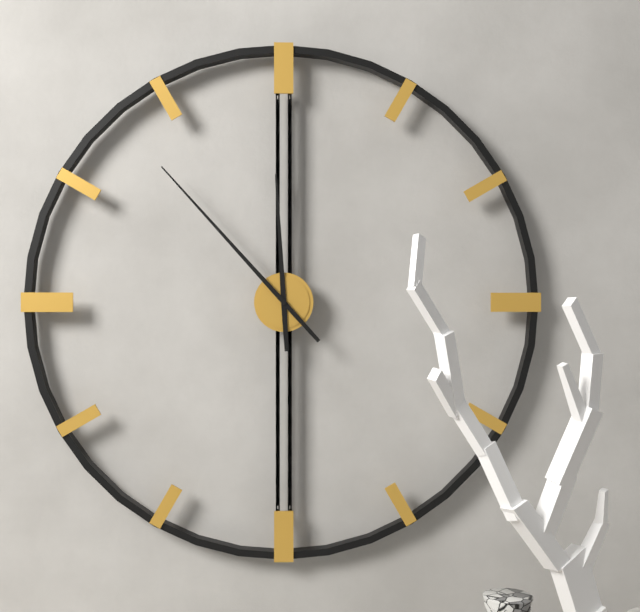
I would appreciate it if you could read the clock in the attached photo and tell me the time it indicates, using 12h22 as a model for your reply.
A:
11h53
